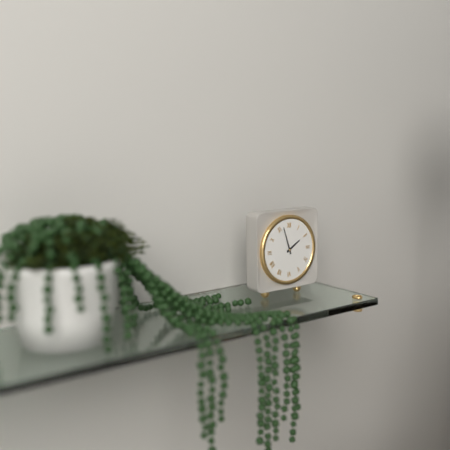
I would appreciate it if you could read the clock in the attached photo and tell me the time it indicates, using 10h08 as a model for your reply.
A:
1h57
